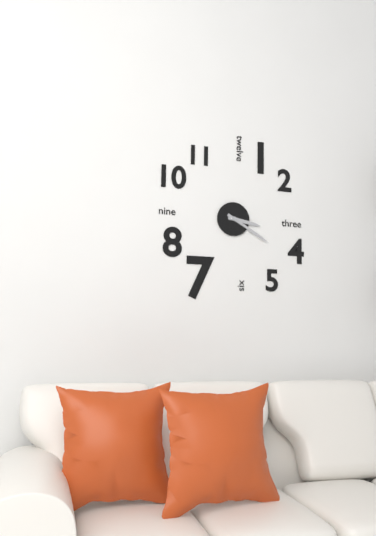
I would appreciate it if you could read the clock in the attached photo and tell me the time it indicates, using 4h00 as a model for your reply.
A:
3h20
